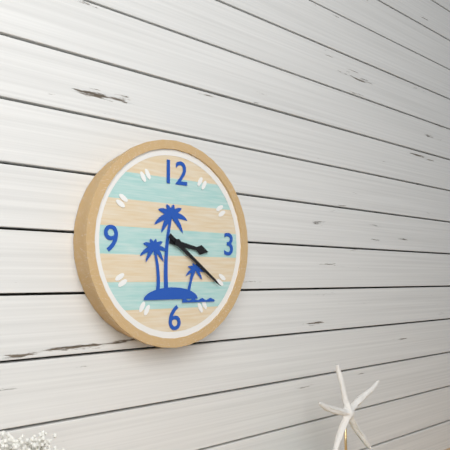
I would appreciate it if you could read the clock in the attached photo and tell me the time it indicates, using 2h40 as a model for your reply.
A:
3h21
